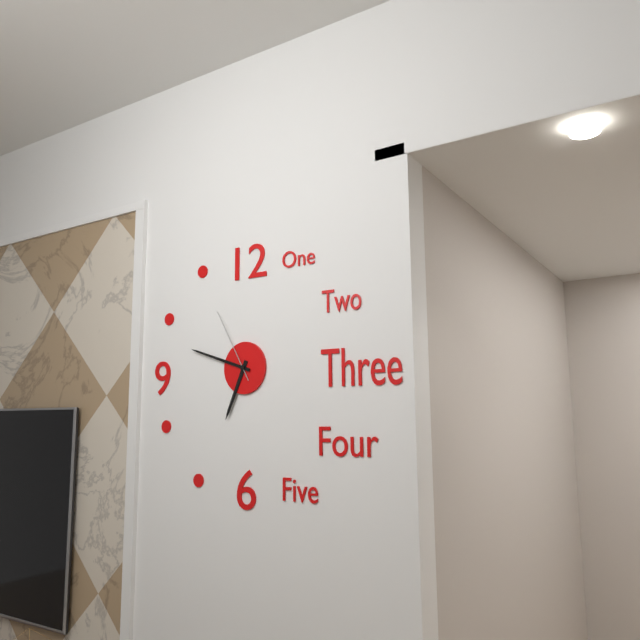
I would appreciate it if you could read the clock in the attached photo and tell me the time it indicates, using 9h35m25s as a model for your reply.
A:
6h48m55s
